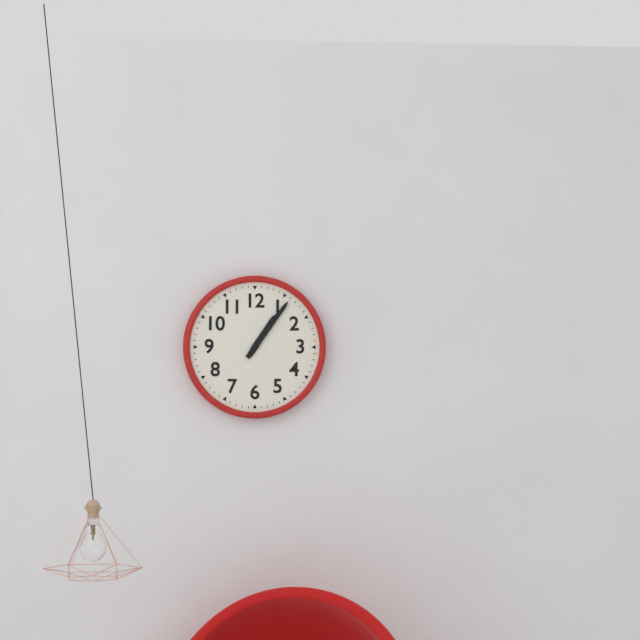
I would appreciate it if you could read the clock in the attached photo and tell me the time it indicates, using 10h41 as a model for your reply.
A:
1h06
